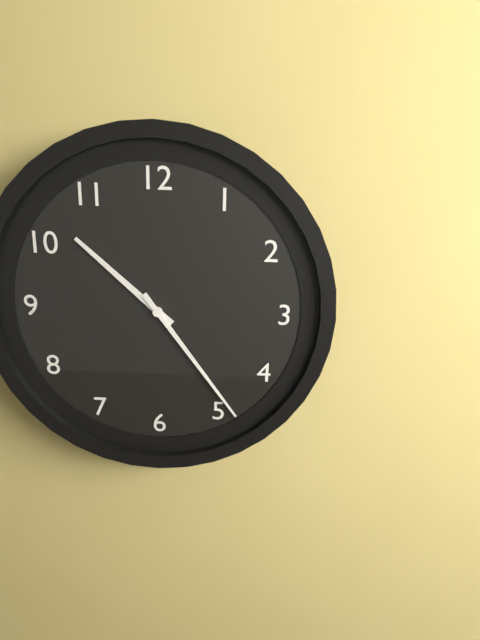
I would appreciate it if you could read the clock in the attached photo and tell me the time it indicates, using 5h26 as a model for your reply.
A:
10h24
